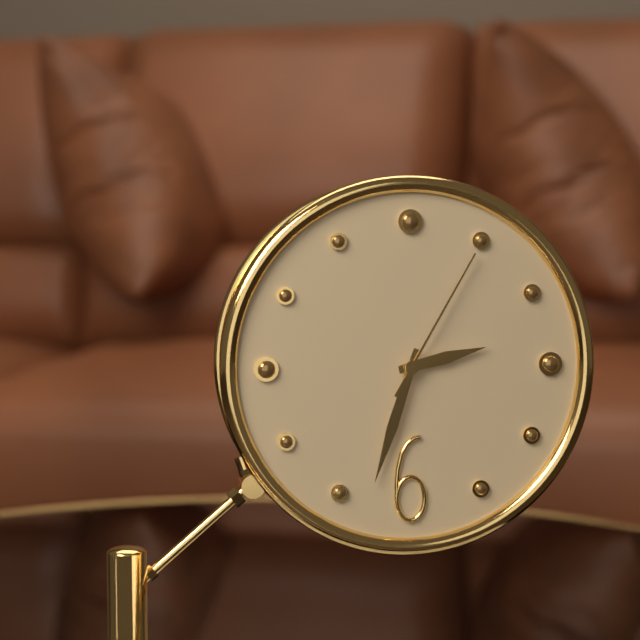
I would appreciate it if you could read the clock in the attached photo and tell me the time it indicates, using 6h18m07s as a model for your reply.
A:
2h33m05s
